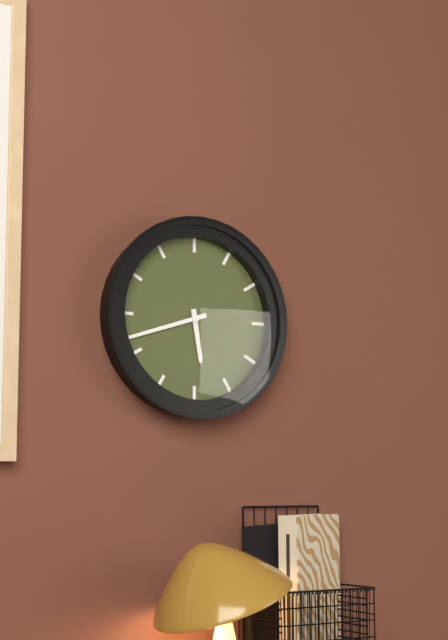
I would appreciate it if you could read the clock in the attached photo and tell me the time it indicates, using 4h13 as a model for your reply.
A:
5h42
